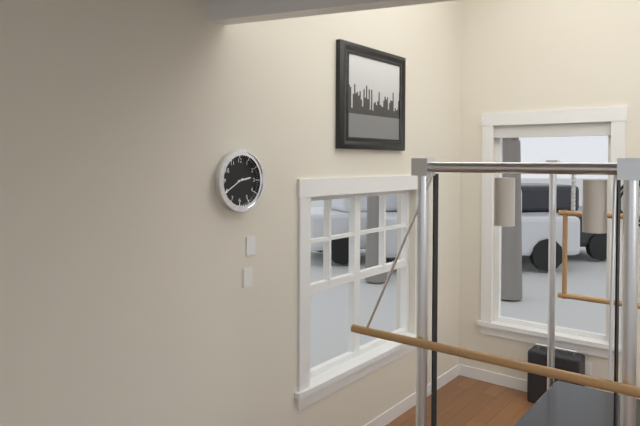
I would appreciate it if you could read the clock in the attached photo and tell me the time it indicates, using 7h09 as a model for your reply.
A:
2h40
